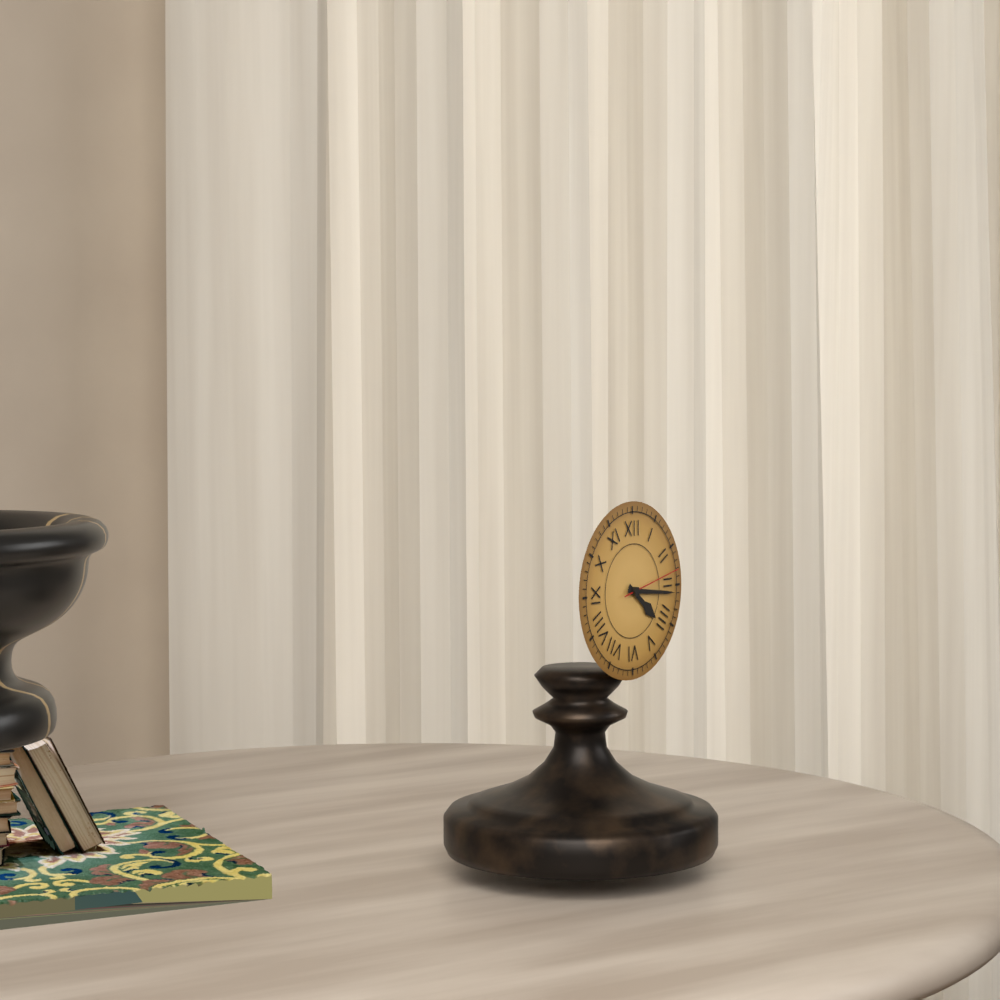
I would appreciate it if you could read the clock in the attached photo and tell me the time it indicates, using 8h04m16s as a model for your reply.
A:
4h16m13s
